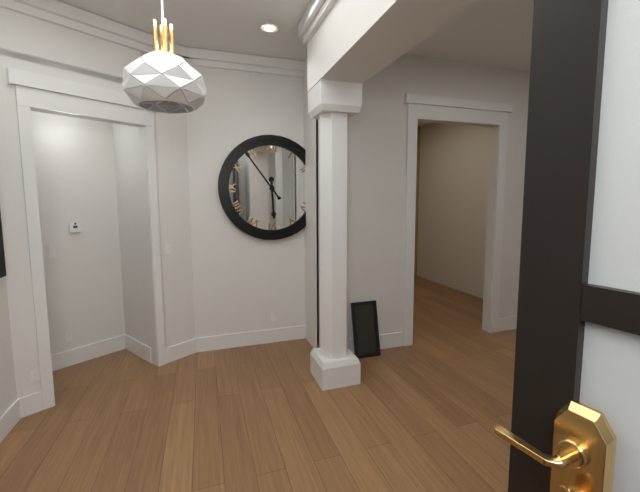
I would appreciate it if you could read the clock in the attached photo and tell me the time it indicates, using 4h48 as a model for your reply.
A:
5h54
